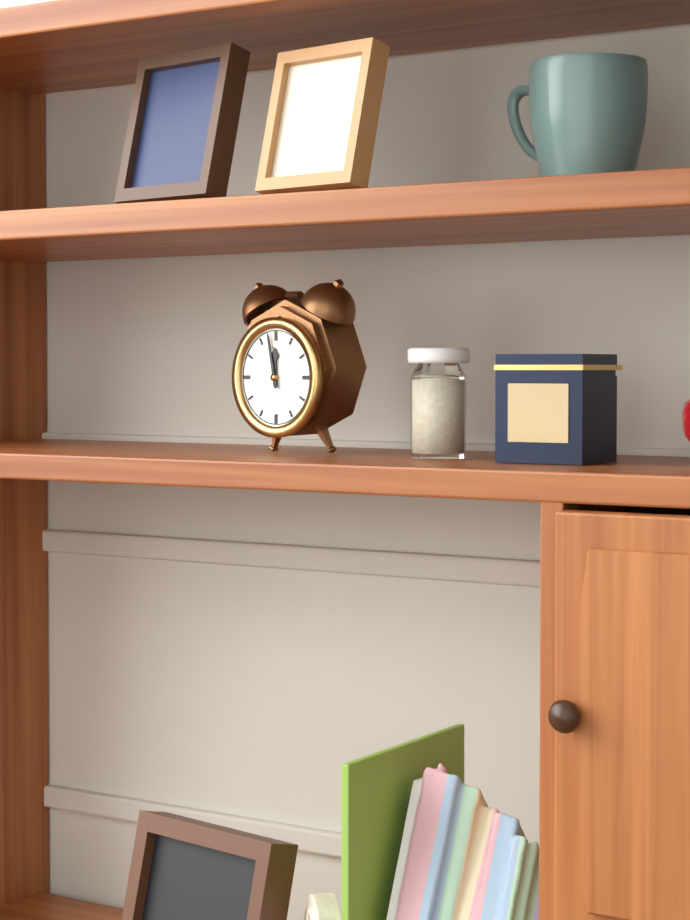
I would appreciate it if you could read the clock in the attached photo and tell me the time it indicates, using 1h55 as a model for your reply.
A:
11h58
